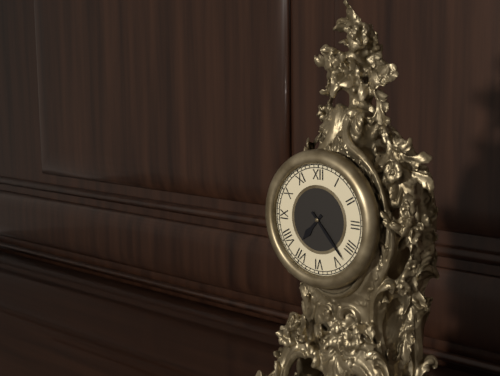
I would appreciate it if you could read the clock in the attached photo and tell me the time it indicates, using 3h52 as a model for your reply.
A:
7h23
